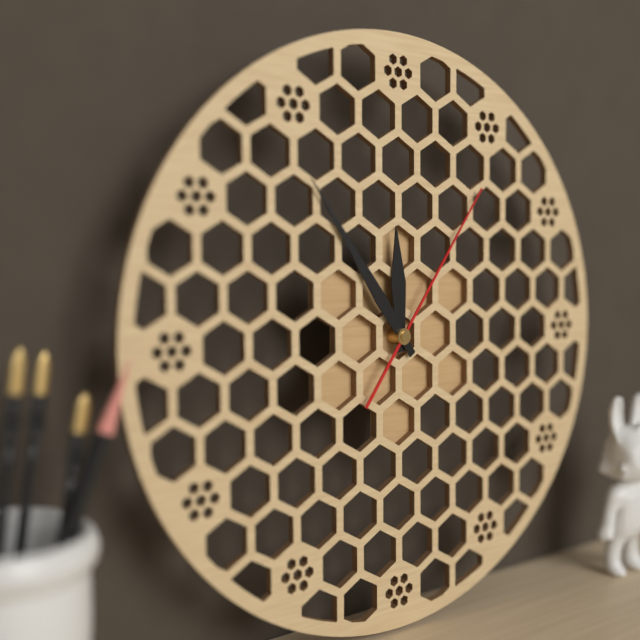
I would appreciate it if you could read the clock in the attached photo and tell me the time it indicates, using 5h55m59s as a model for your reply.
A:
11h54m06s
